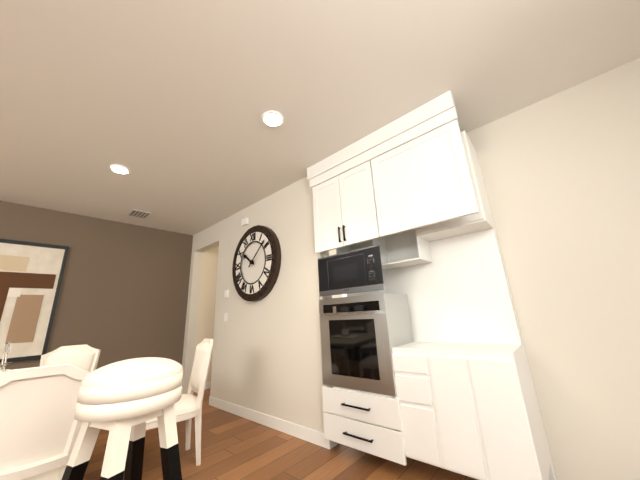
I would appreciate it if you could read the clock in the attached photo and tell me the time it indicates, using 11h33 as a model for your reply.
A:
10h08
